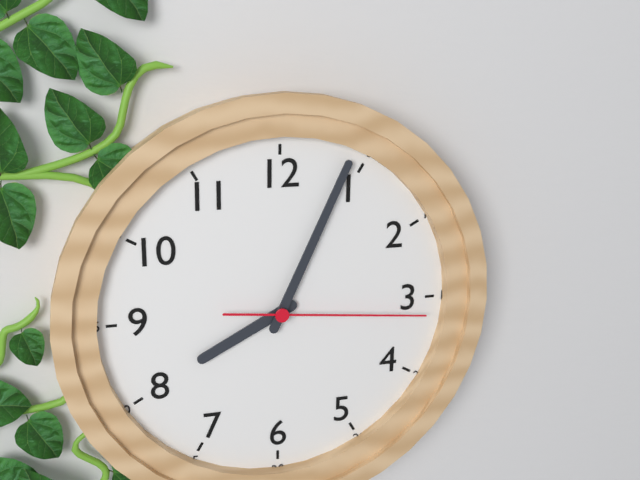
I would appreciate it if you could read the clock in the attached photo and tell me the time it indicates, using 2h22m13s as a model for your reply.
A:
8h04m16s
